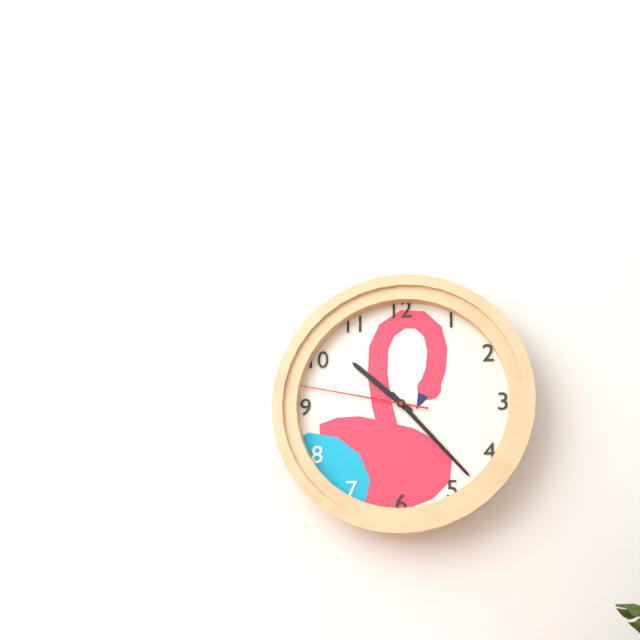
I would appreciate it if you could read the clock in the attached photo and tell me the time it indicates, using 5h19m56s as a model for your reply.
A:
10h23m47s
